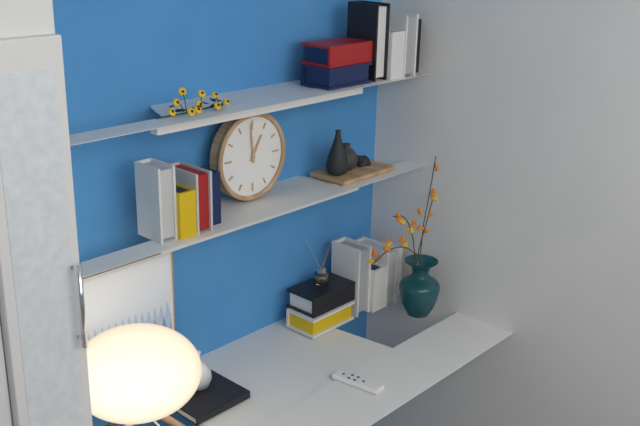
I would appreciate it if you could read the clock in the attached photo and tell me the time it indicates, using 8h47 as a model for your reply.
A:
12h59
